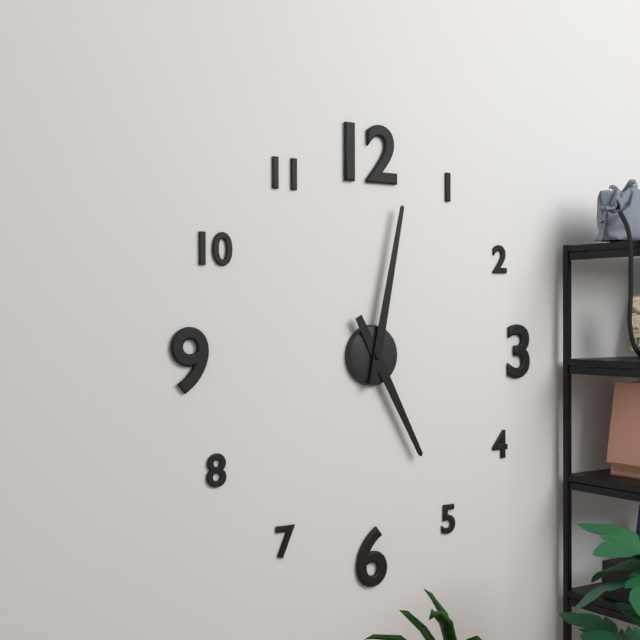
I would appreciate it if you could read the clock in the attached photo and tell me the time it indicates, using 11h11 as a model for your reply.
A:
5h02
